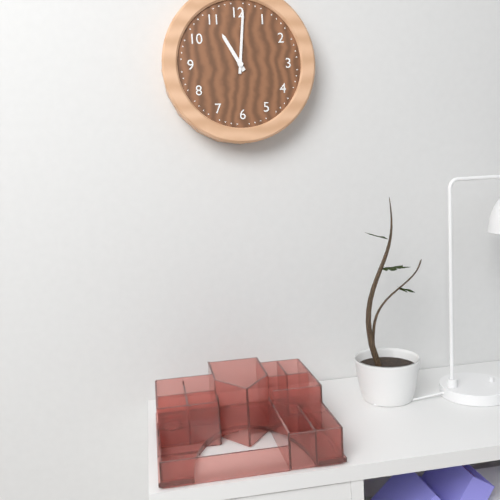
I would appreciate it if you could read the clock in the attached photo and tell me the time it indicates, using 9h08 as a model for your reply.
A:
11h01
